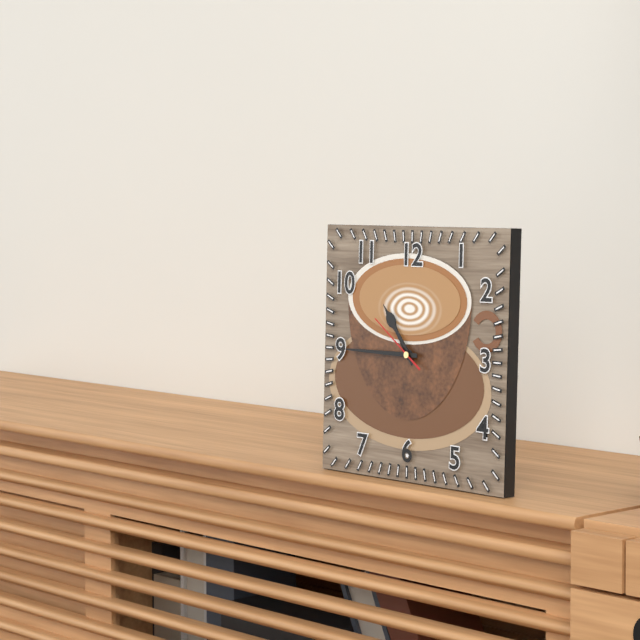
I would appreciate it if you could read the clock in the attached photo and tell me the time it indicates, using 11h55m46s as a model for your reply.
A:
10h45m51s
